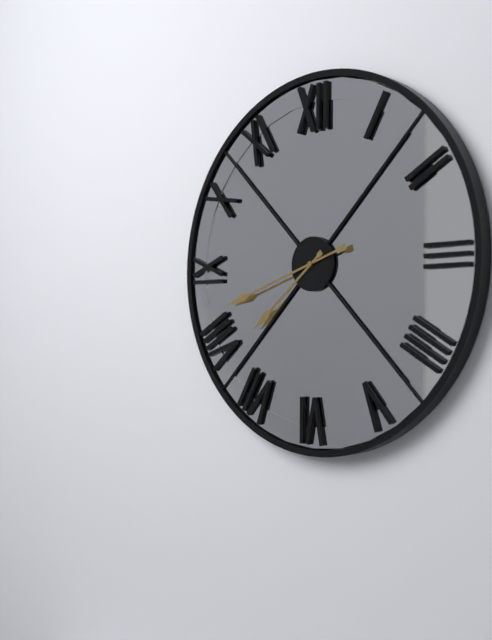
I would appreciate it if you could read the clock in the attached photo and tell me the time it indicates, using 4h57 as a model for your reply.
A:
7h42
